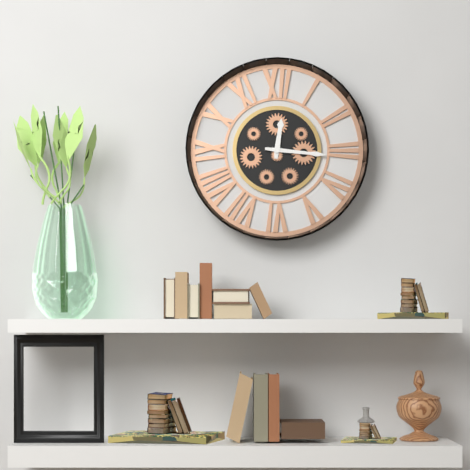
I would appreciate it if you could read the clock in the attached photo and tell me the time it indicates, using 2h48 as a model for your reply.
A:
12h16
